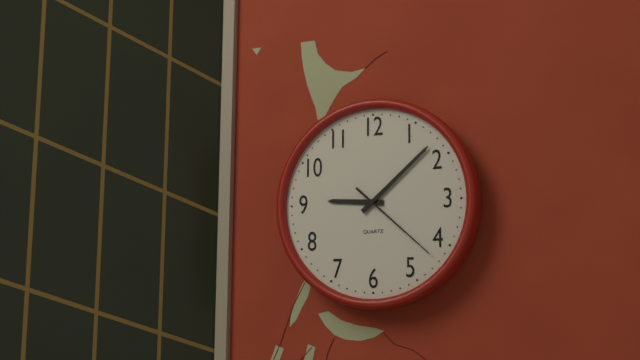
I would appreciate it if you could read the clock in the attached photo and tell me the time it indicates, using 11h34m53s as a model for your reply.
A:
9h08m22s
